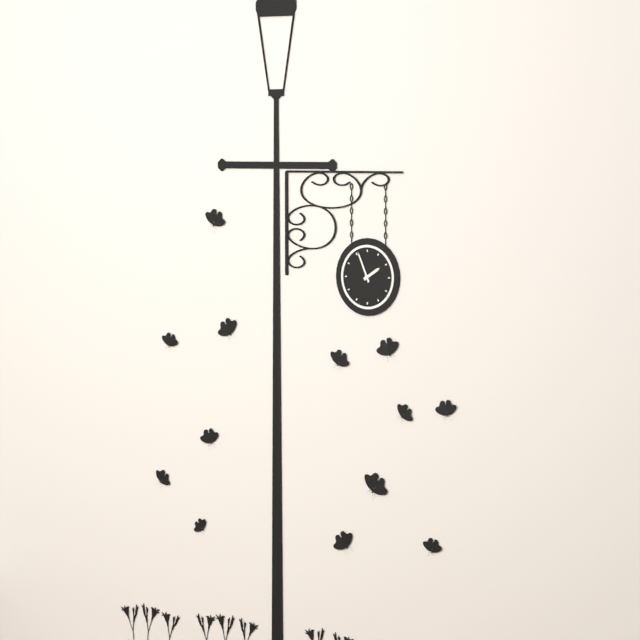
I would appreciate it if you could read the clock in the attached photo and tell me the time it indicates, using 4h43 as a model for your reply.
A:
1h56
